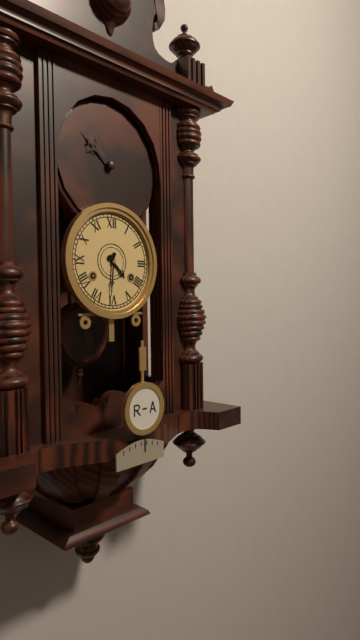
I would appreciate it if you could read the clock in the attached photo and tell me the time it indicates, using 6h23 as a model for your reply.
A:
4h31
